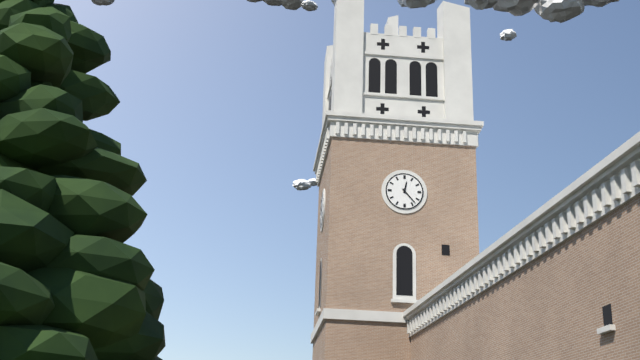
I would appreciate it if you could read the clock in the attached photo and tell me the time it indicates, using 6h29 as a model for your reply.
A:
12h23
